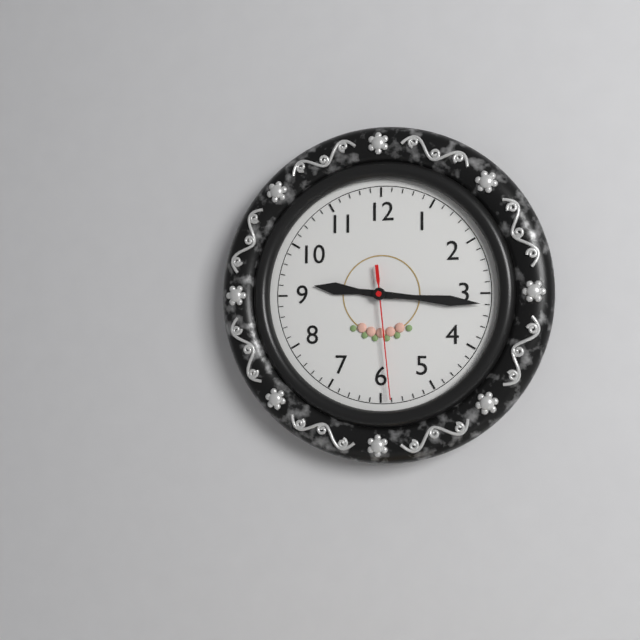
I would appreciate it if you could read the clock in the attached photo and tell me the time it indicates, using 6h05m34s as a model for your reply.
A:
9h16m29s
